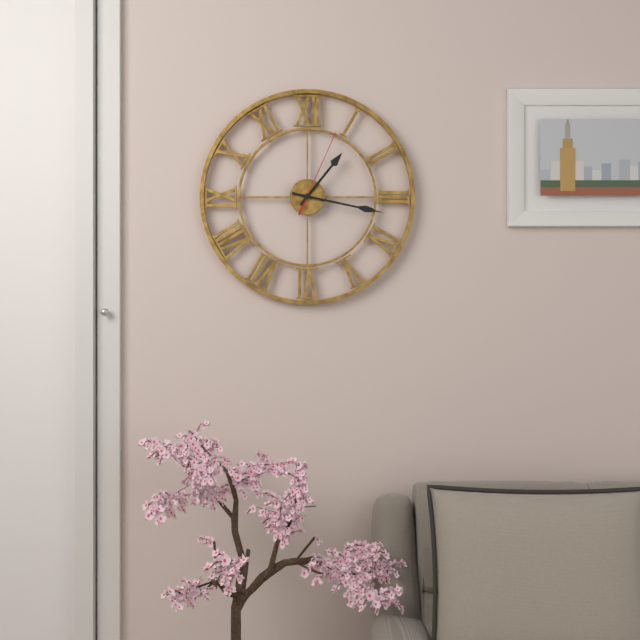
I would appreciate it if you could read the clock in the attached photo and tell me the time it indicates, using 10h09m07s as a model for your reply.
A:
1h17m04s
